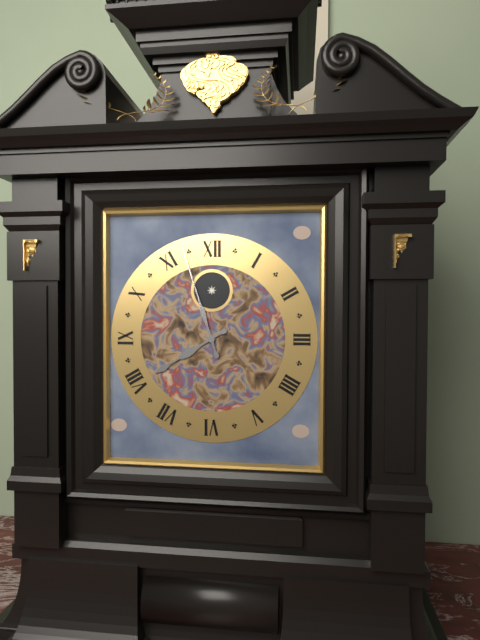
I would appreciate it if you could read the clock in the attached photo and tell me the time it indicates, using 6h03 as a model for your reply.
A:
7h57
